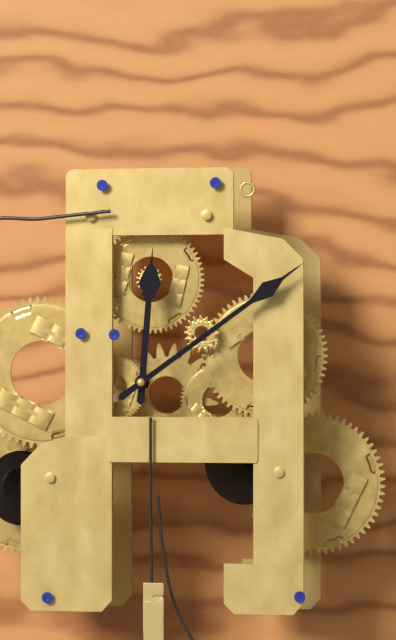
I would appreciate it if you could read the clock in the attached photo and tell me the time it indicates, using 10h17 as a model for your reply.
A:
12h09
